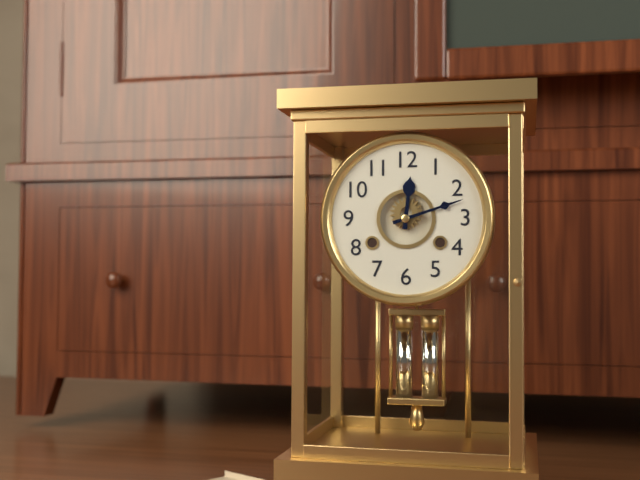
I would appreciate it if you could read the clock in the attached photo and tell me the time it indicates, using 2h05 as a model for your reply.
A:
12h12
